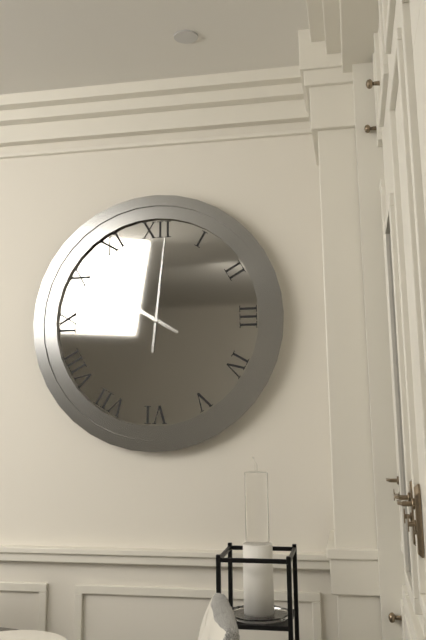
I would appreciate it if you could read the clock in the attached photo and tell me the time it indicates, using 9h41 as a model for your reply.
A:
10h01
